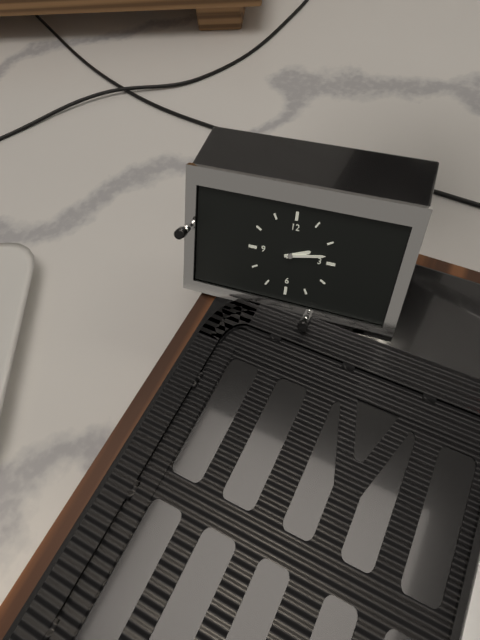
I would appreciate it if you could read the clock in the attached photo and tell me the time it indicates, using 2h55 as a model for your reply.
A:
2h13
